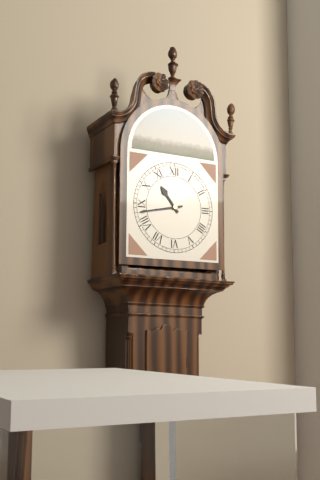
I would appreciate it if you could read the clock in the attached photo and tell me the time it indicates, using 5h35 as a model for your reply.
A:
10h43
